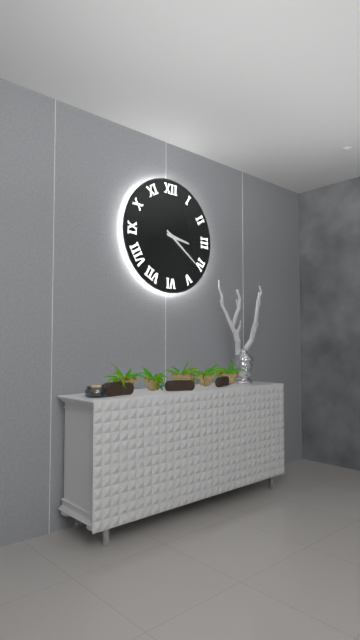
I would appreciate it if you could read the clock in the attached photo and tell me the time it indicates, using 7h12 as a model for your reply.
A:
3h21
